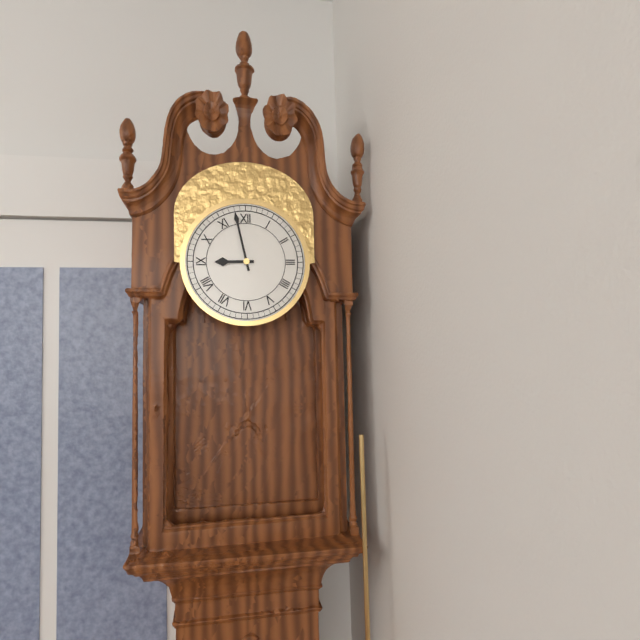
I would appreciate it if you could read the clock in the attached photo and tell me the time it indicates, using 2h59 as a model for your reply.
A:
8h58
